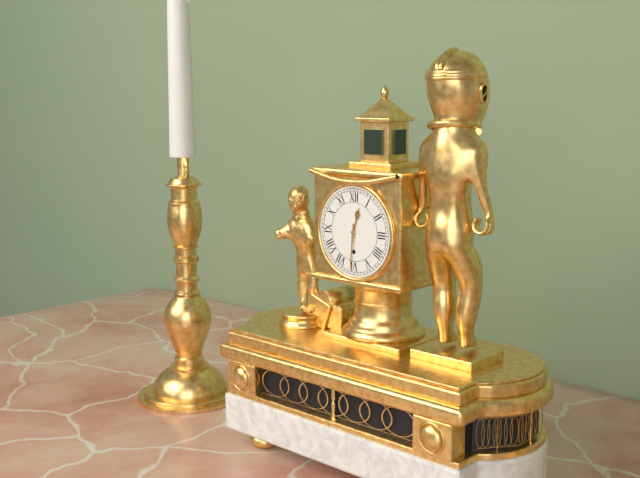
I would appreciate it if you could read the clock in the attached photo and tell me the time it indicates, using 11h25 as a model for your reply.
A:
12h31
